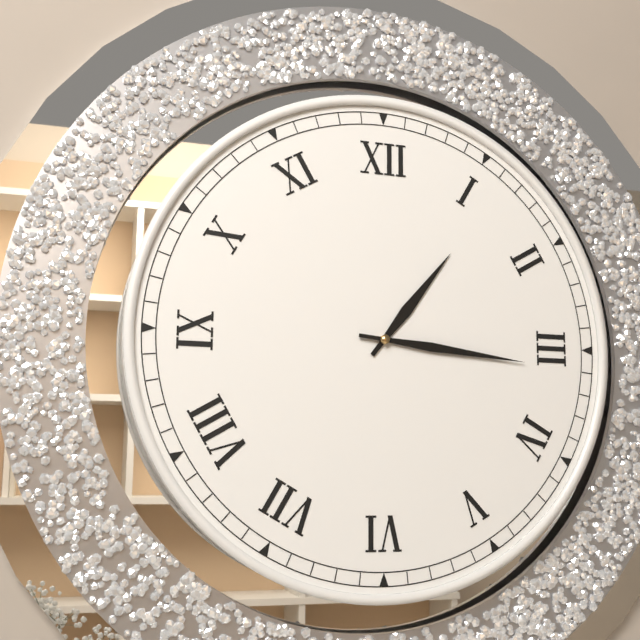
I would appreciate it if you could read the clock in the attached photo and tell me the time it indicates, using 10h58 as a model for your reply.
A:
1h16
